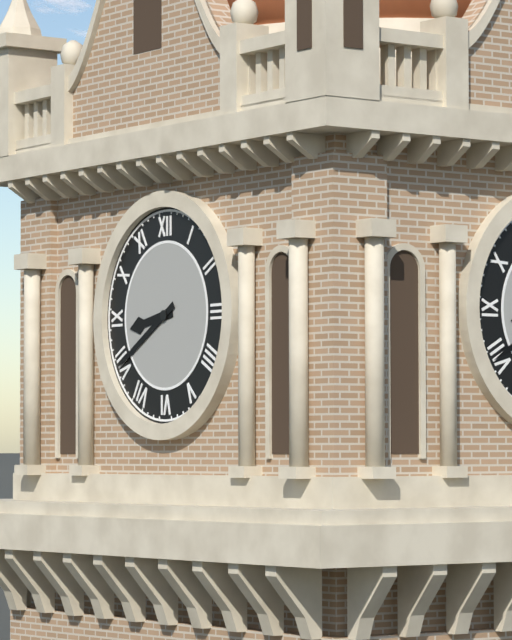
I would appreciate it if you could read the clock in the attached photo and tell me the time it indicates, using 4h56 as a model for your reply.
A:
8h40
